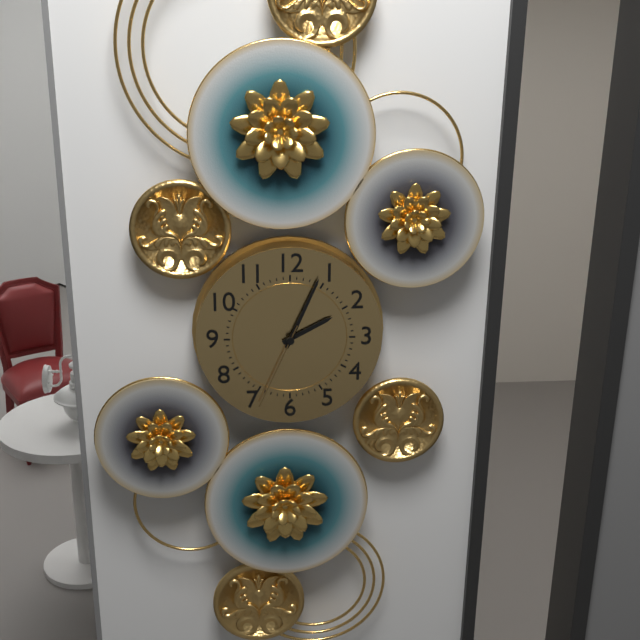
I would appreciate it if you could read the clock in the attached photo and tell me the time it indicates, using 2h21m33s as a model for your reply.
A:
2h04m34s
